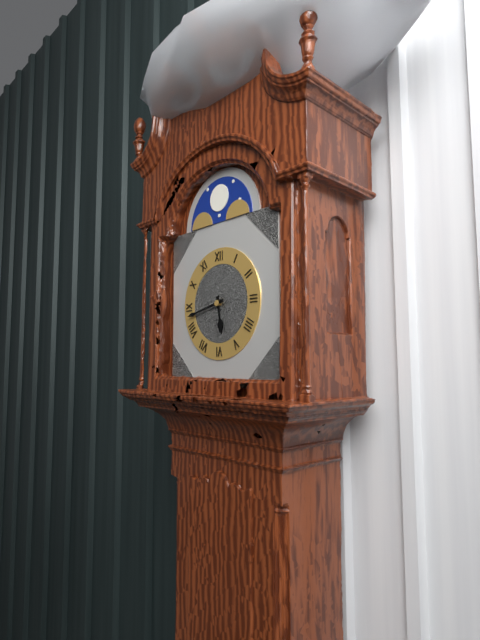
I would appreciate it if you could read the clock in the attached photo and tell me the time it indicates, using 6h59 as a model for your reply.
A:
5h43
